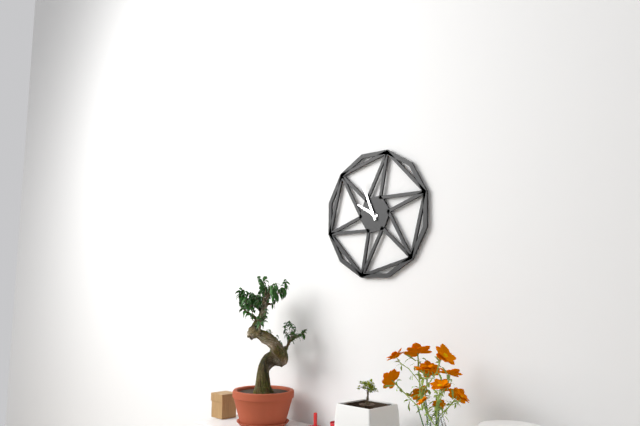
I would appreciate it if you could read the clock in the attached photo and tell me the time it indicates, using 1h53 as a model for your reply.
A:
9h56
